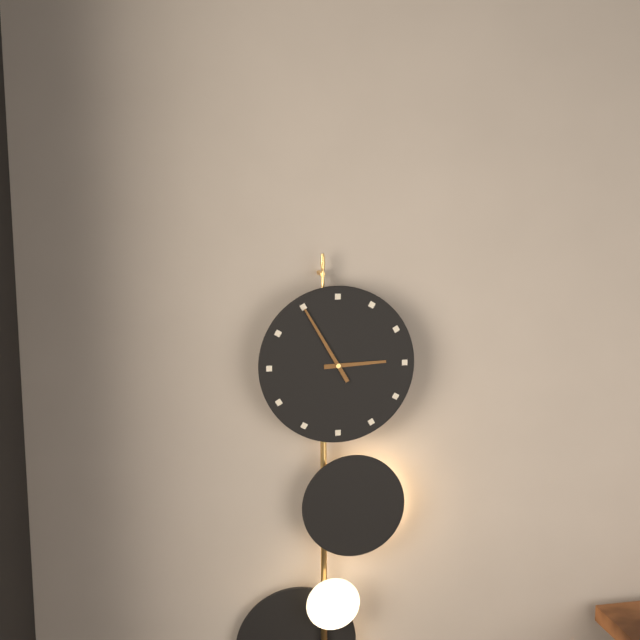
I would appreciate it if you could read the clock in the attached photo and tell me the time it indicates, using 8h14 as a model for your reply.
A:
2h55
